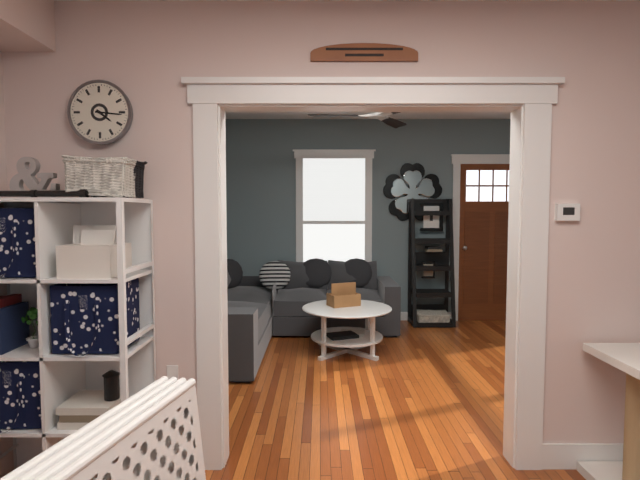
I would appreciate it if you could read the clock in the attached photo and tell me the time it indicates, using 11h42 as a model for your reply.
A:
4h16
